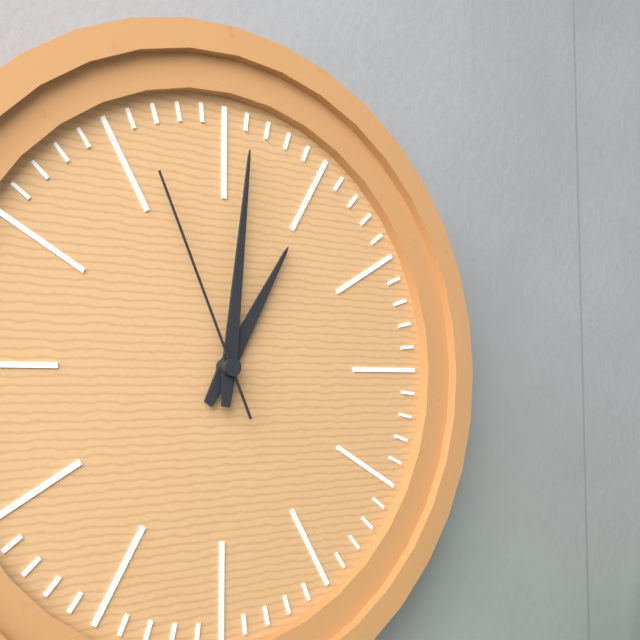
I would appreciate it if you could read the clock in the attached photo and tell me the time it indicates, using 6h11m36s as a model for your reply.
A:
1h01m56s
